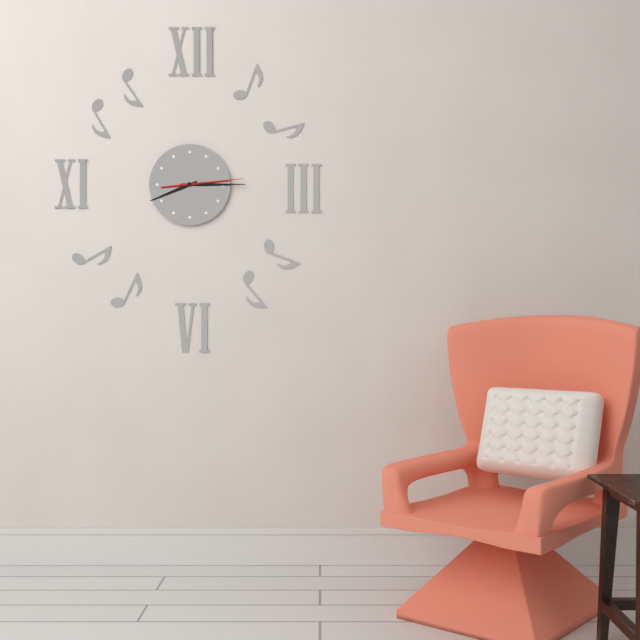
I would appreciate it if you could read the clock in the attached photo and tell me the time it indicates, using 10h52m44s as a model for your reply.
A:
8h15m14s
